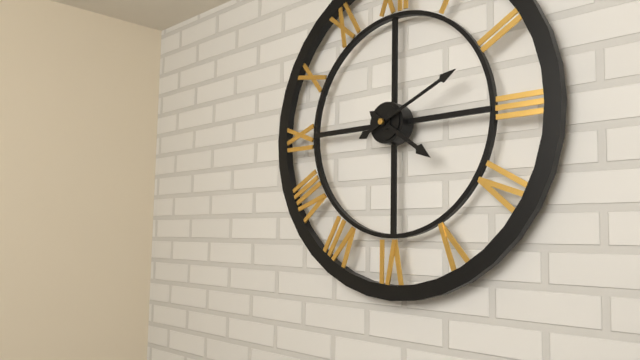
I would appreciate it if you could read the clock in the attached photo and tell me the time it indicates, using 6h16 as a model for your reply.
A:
4h11
